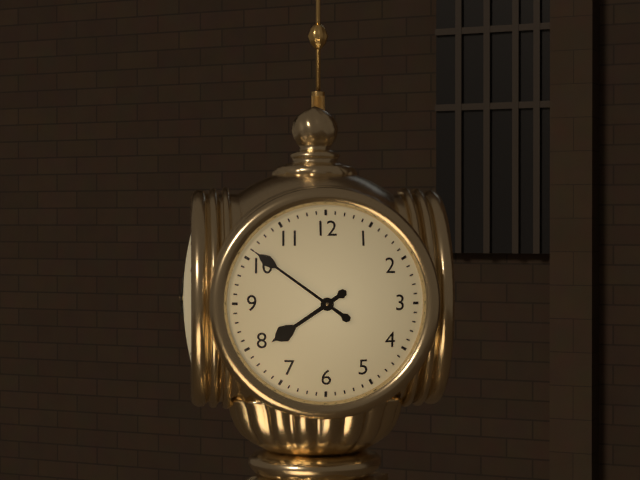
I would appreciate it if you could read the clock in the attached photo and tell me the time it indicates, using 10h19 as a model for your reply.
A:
7h51
